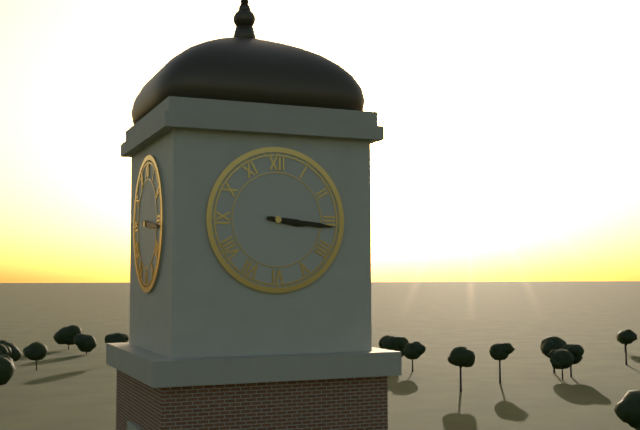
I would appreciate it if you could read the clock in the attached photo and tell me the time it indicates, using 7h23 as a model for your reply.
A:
3h16
